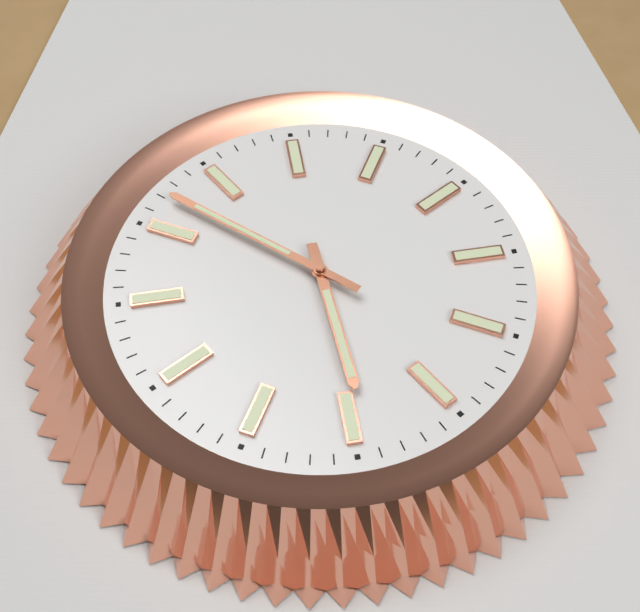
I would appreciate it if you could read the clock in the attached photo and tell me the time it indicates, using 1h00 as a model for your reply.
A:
5h52
